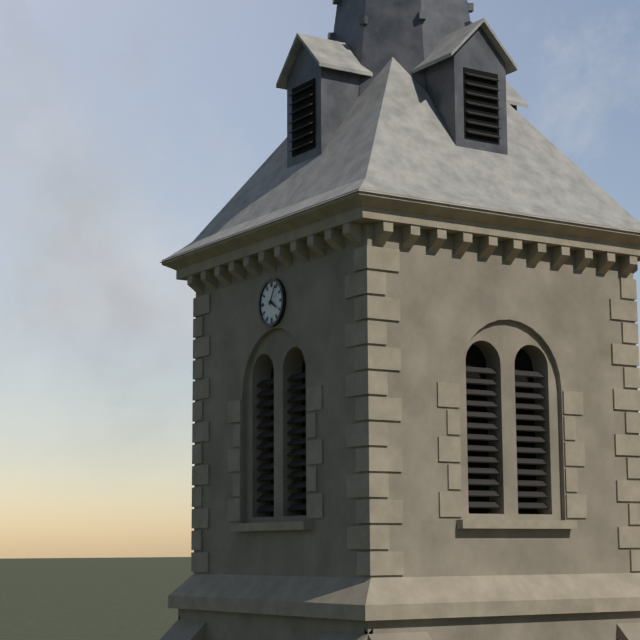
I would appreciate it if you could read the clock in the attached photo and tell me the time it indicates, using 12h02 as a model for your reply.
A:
4h05
